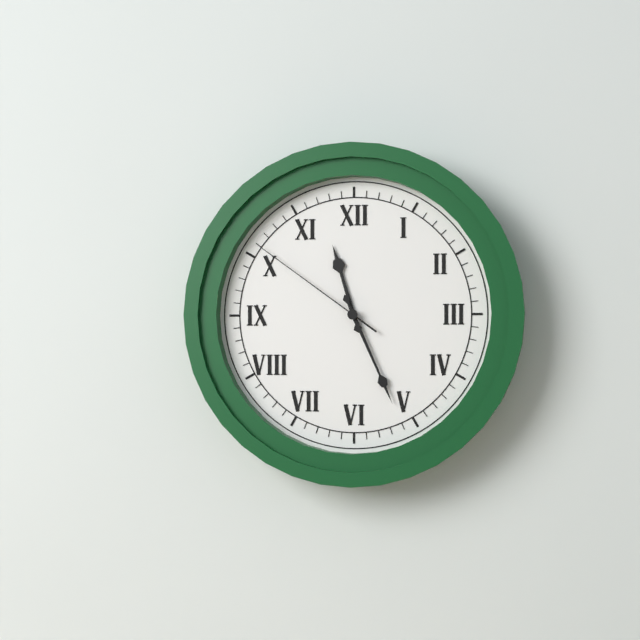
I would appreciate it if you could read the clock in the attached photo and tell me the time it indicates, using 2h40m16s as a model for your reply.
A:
11h26m51s
